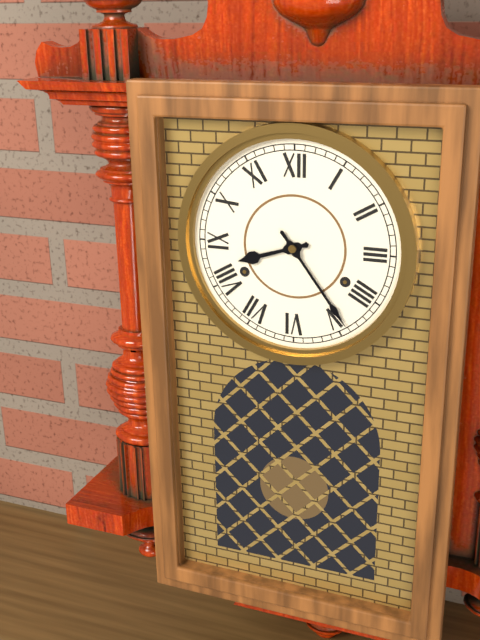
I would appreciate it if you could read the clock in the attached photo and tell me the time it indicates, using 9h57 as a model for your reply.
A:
8h24
